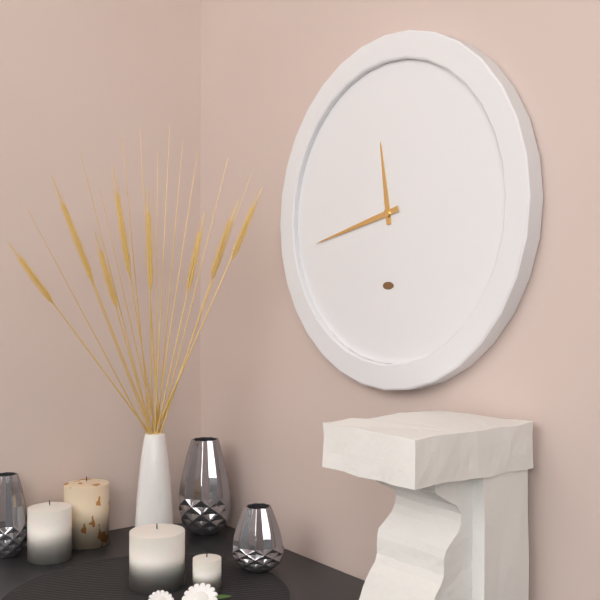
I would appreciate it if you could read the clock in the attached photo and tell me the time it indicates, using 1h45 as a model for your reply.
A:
11h43
